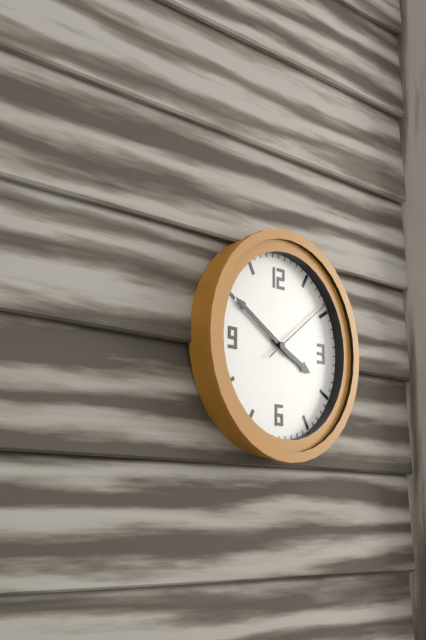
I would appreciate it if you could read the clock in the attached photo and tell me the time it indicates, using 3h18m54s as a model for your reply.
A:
3h50m09s
